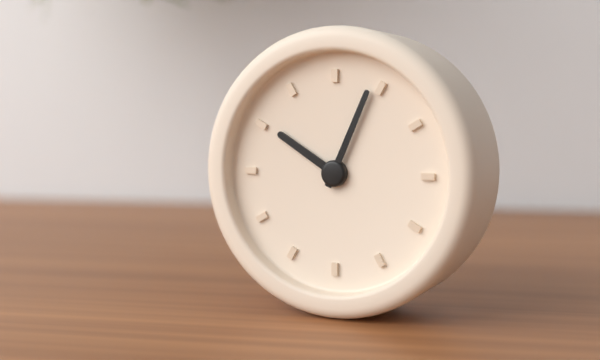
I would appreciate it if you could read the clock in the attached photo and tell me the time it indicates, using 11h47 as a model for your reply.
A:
10h04
